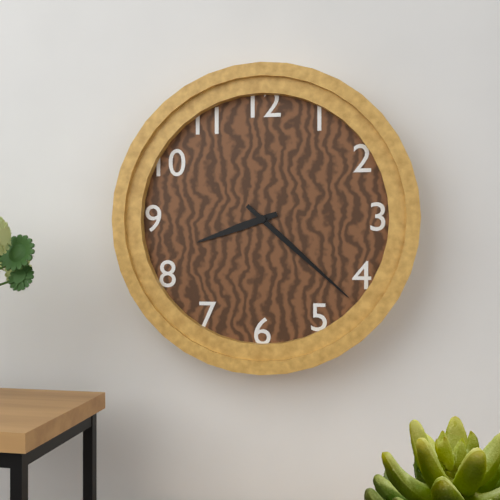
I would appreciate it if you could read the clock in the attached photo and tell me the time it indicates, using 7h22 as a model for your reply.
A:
8h22
